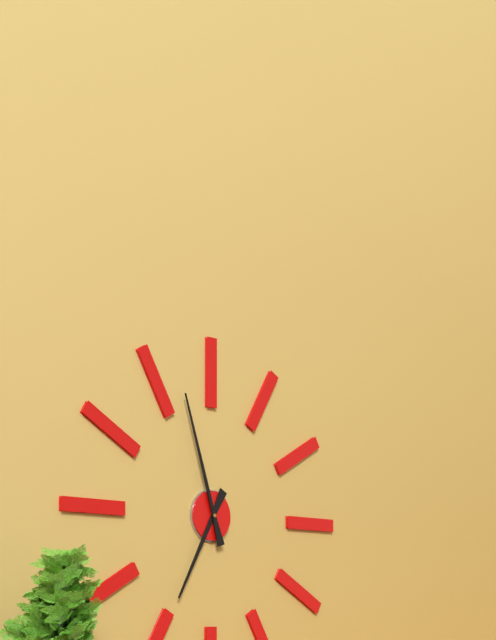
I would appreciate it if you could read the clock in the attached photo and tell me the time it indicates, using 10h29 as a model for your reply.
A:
6h57
